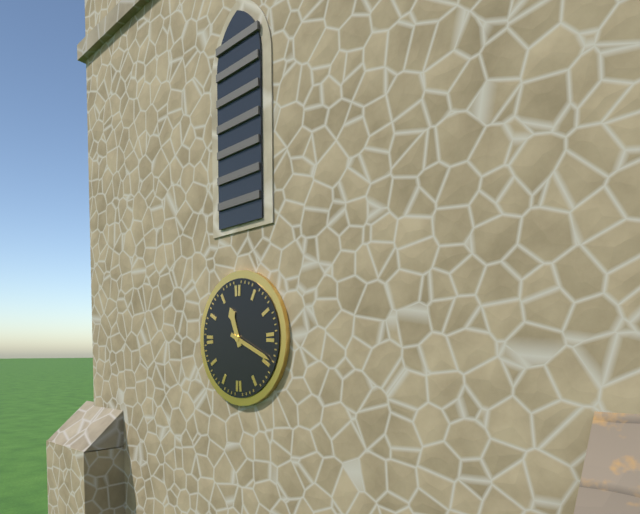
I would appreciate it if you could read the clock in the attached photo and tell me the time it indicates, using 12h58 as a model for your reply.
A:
11h19
